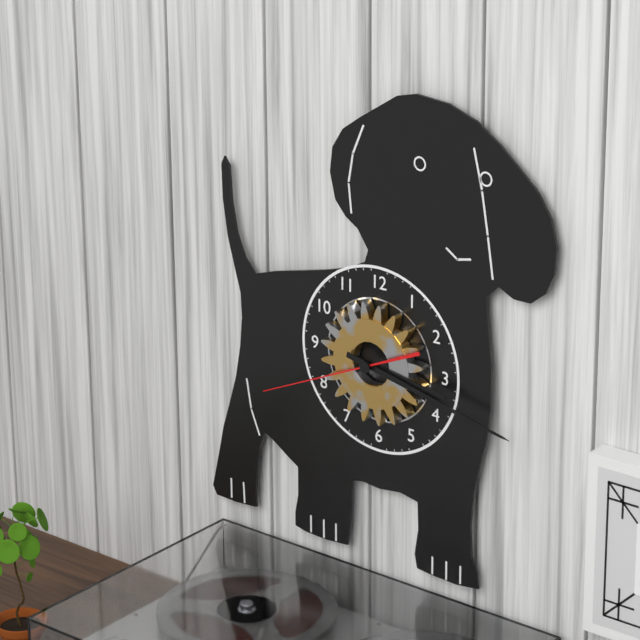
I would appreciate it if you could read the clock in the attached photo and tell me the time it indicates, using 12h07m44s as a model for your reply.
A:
3h17m41s
